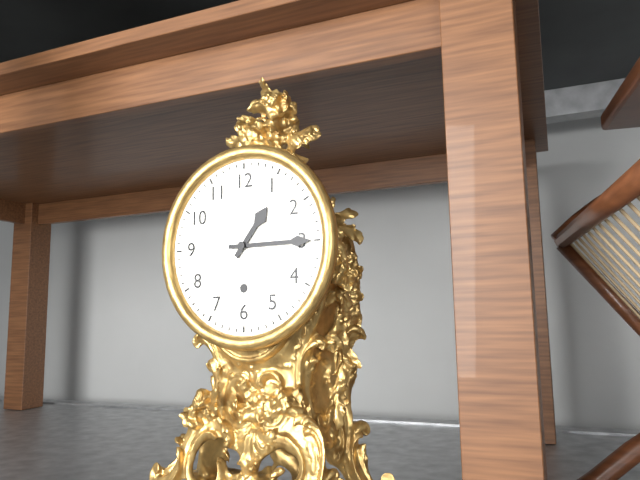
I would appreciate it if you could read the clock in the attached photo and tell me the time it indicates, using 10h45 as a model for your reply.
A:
1h15
